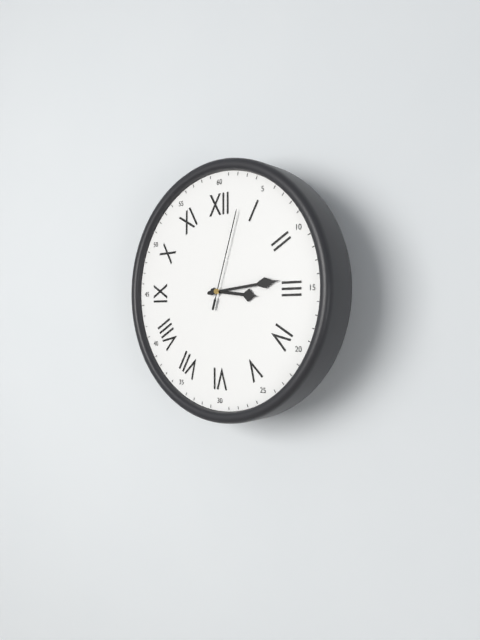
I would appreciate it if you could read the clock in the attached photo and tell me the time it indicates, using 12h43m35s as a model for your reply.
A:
3h14m03s
